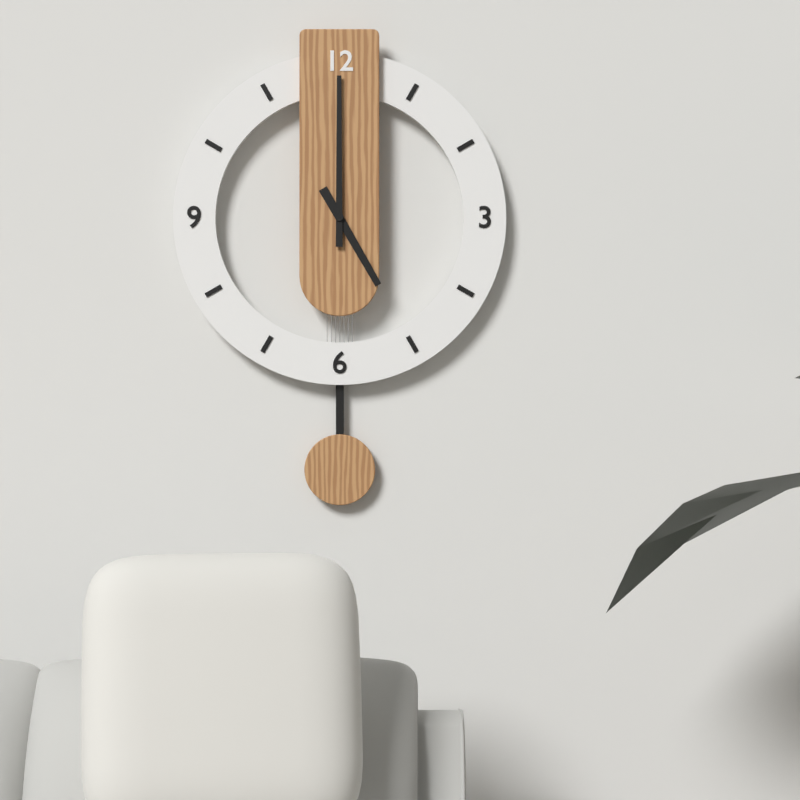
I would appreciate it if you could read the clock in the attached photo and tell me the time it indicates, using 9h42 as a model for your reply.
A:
5h00
